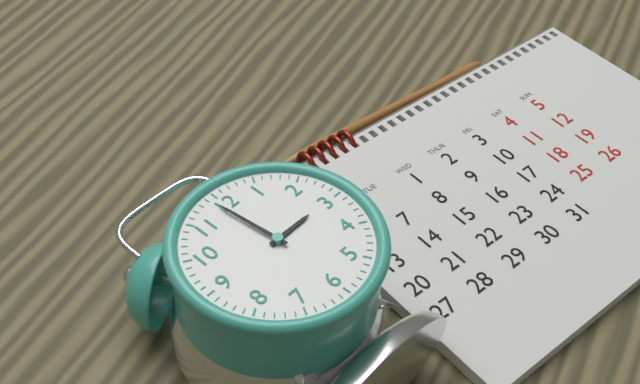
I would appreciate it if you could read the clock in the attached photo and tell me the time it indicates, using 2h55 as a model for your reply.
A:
2h59
